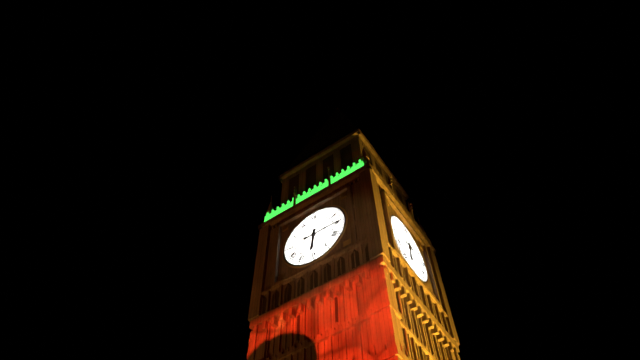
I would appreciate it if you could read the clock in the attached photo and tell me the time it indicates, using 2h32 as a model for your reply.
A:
6h15
